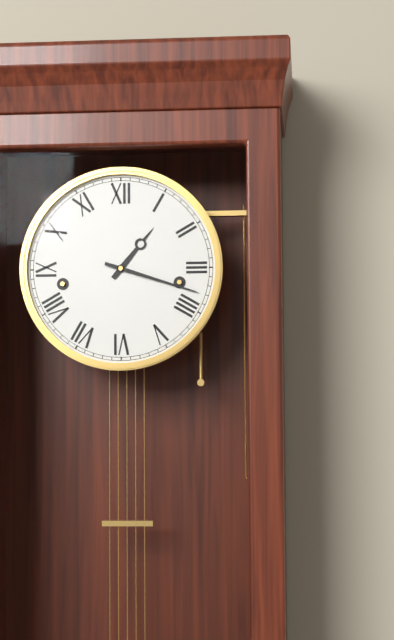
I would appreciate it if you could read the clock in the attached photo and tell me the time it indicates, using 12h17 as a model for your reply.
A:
1h18
